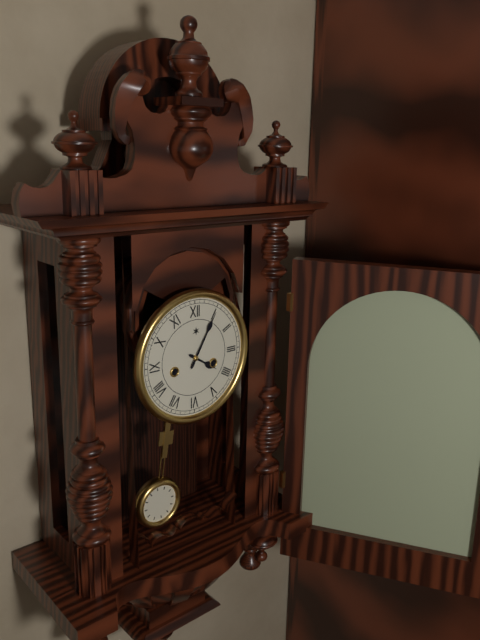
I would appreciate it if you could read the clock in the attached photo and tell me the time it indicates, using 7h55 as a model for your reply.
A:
4h05
